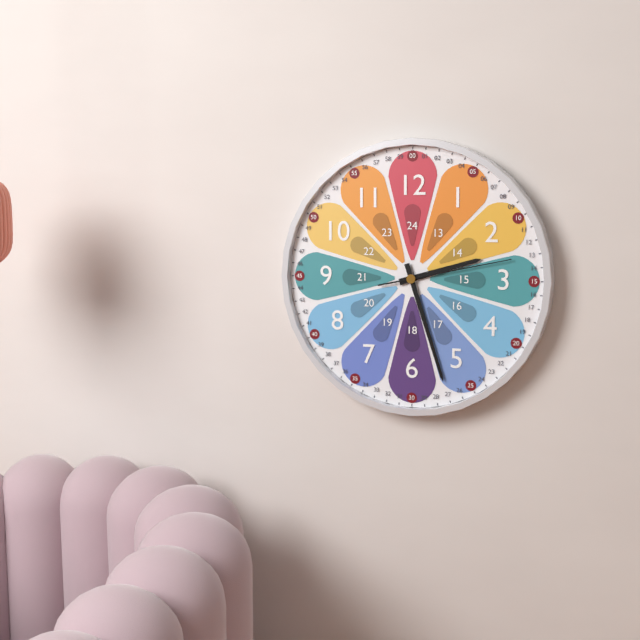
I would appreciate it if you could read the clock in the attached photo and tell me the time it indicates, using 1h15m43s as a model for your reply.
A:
2h27m13s
